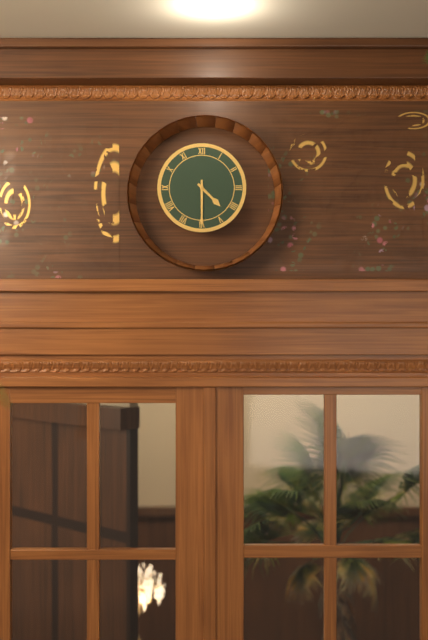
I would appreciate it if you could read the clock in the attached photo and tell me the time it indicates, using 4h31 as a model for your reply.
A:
4h30
